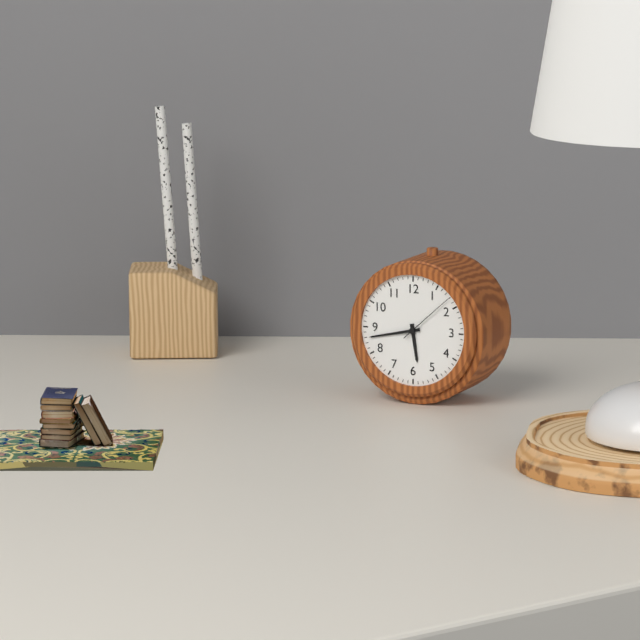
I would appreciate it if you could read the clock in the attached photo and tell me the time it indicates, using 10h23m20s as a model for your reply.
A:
5h43m08s
